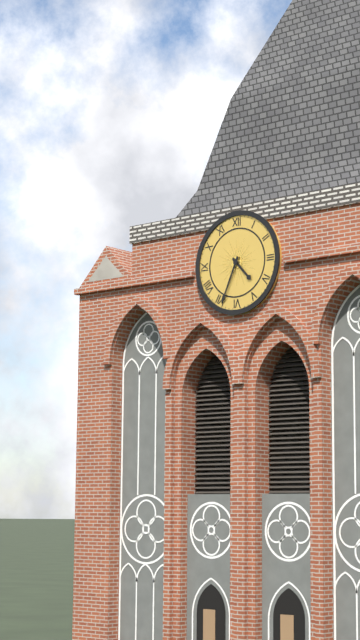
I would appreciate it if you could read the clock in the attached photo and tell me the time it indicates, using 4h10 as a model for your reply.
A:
4h34
